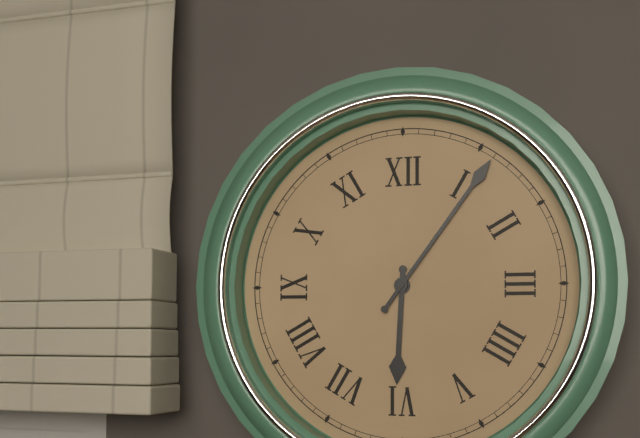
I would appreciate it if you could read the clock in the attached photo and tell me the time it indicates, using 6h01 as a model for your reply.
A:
6h06
